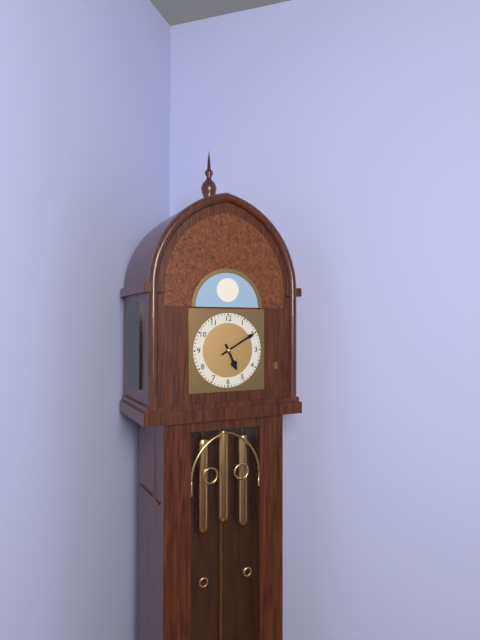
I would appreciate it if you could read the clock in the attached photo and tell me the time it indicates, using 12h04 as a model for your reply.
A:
5h10
